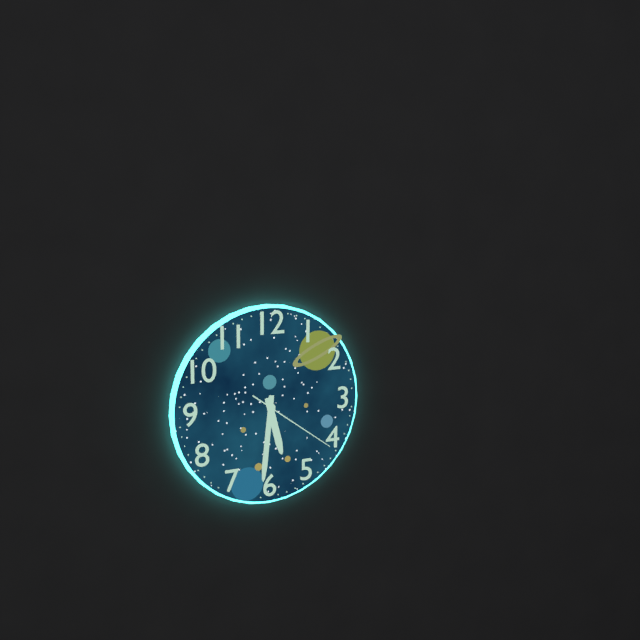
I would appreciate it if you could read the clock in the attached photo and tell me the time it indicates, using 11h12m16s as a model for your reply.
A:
5h31m21s
